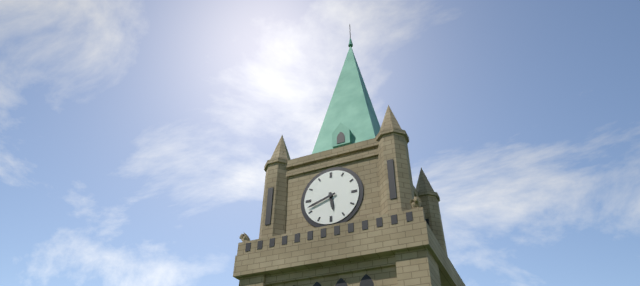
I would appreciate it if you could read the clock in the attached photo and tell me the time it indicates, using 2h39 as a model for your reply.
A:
5h42
